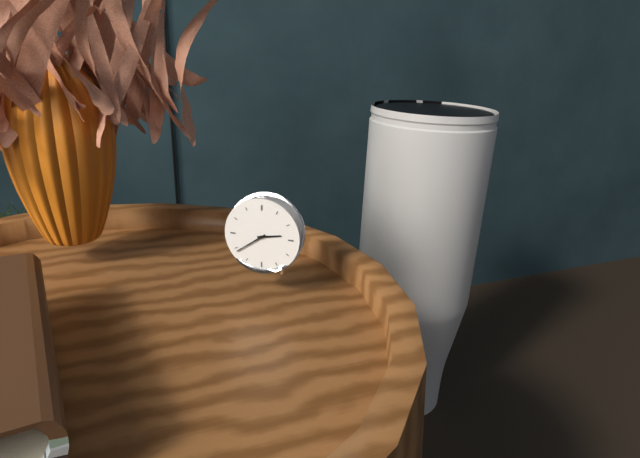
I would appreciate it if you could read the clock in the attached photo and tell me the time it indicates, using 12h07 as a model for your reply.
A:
2h39
